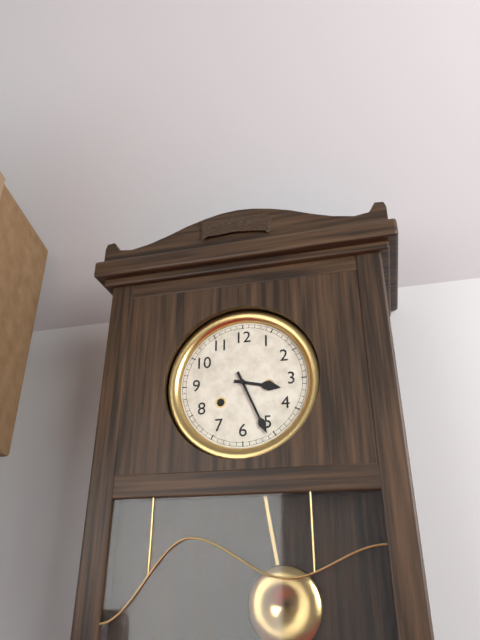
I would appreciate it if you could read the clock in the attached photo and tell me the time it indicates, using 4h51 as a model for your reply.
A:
3h26
